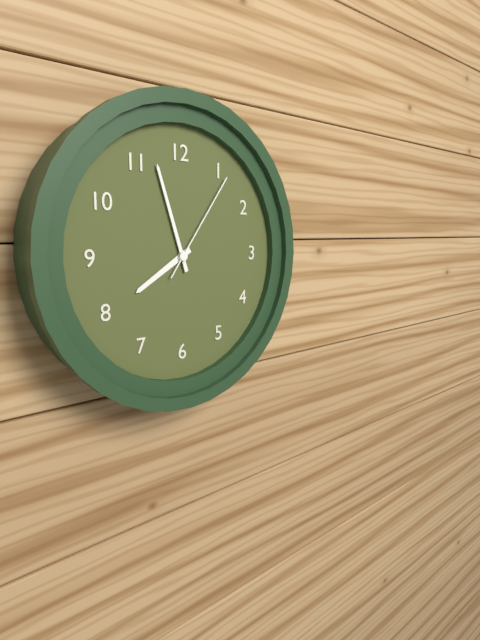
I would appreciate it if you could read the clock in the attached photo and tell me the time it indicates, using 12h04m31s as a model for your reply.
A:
7h57m06s
